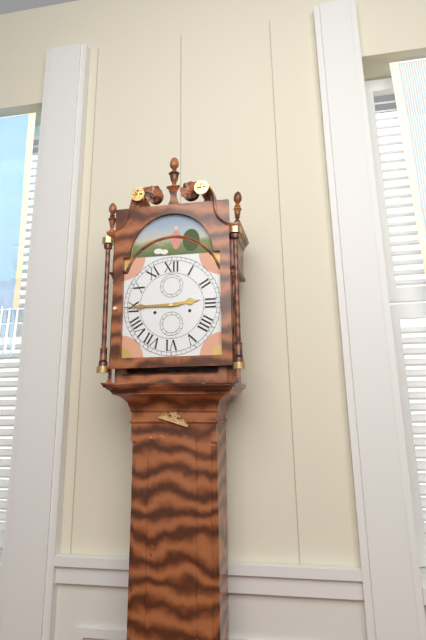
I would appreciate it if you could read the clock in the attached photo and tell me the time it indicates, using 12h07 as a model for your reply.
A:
2h45
